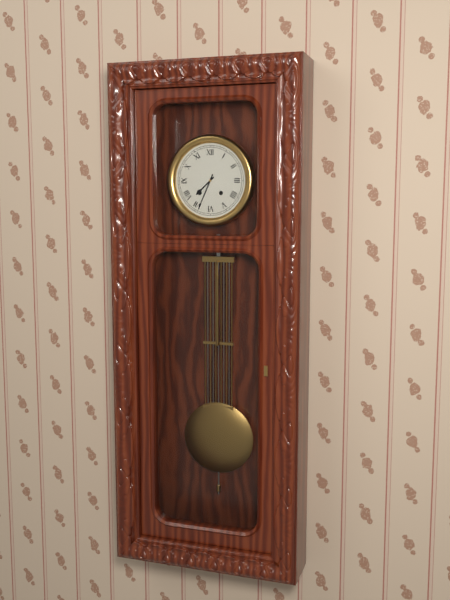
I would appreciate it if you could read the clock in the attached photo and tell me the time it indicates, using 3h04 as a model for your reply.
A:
7h34
